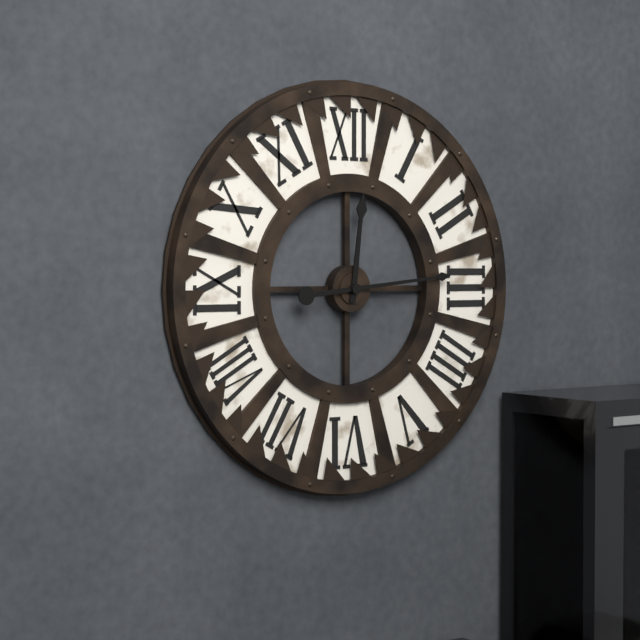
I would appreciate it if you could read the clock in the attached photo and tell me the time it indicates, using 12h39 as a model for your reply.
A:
12h14
